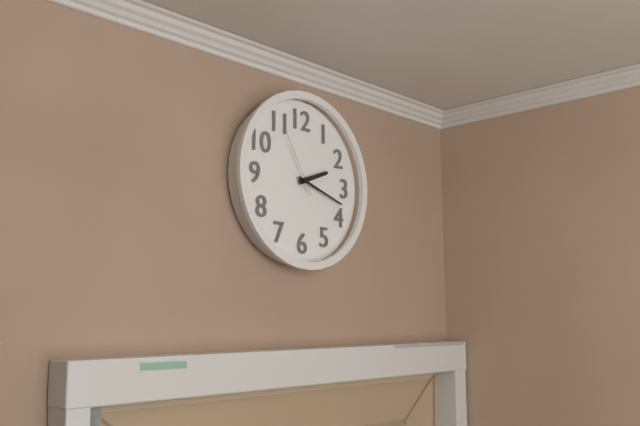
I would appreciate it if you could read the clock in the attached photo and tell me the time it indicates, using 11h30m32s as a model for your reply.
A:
2h18m55s
